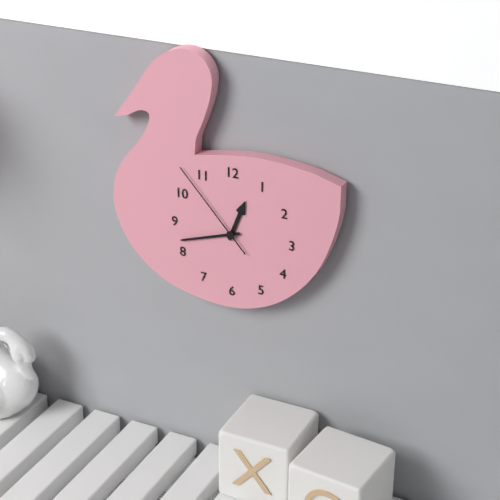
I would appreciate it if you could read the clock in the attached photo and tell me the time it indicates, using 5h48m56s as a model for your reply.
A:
12h42m53s
